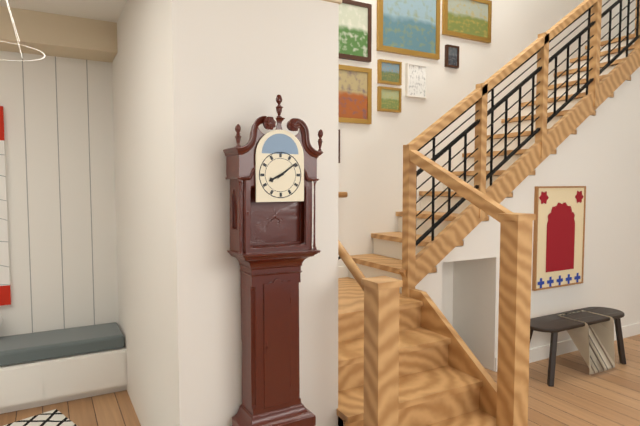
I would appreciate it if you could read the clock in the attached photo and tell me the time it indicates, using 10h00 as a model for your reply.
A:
8h09
